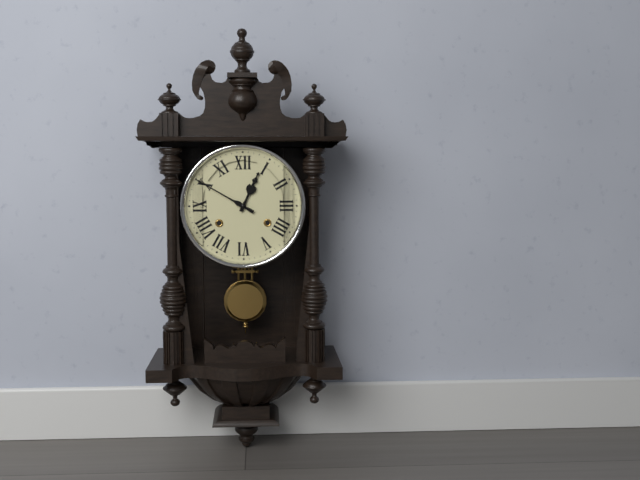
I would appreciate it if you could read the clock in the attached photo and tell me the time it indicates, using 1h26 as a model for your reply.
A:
12h50
